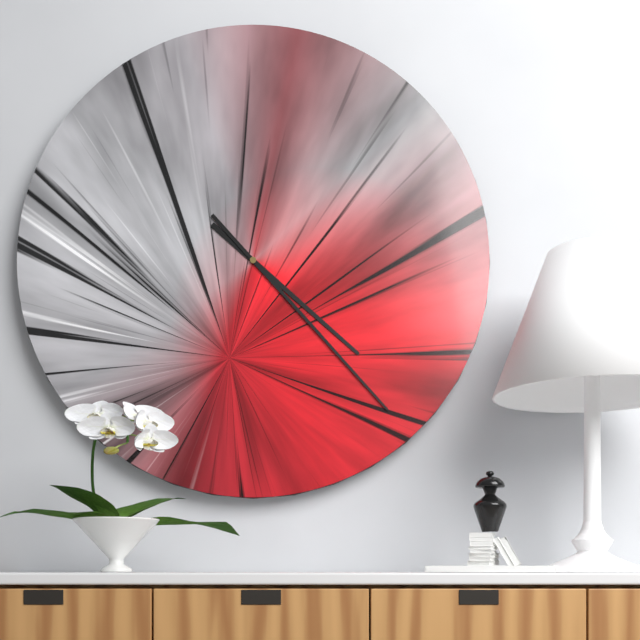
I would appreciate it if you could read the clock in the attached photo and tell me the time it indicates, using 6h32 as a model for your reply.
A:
4h23
